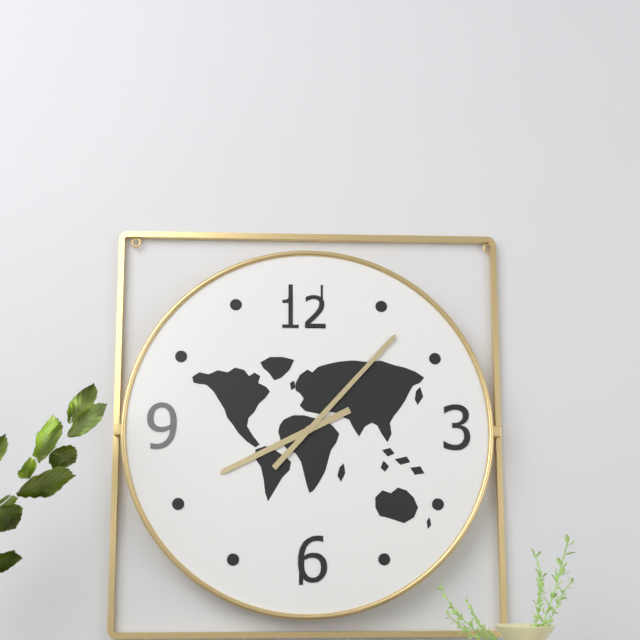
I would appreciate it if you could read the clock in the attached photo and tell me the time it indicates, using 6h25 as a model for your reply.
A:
8h07
